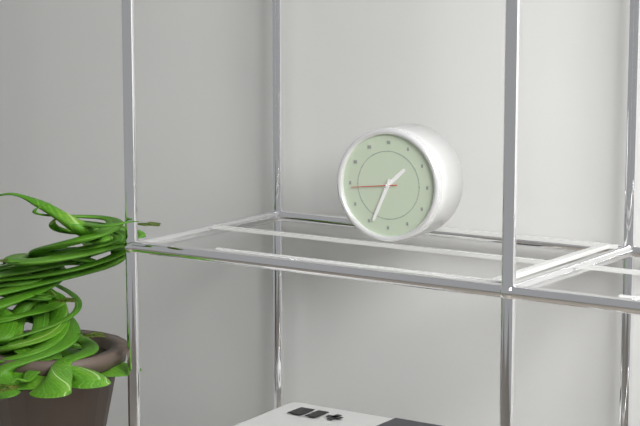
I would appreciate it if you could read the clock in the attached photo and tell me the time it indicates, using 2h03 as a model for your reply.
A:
1h34
